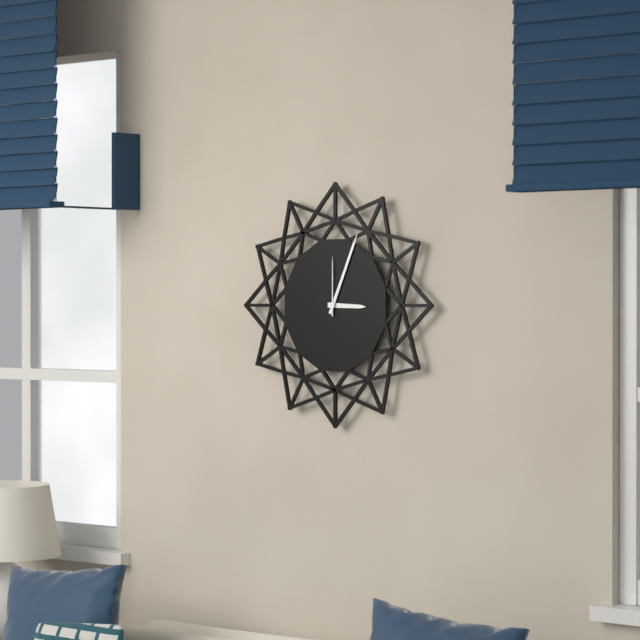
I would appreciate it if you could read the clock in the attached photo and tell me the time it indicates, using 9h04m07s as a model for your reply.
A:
3h04m00s
